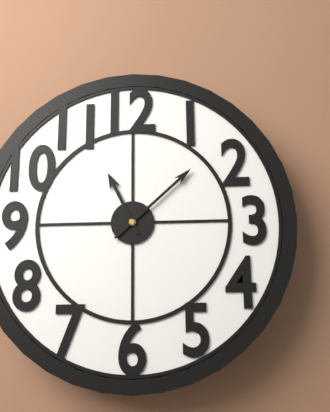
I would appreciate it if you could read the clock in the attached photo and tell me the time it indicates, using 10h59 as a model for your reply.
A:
11h08
